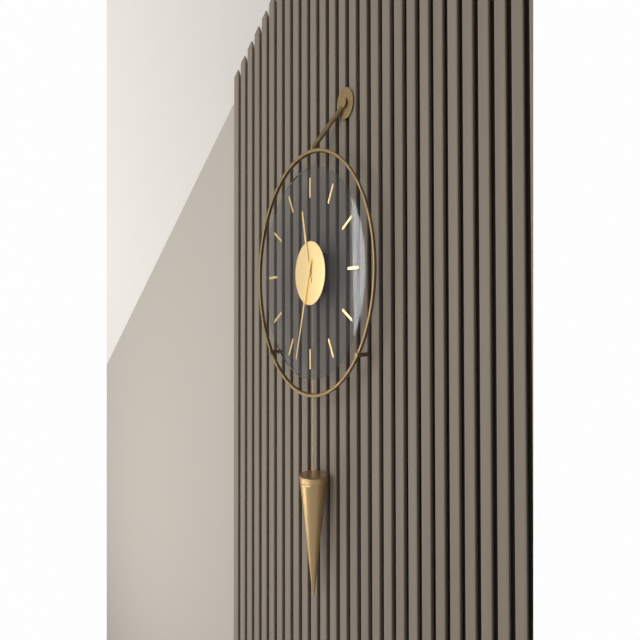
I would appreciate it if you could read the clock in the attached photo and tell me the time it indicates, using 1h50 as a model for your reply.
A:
11h33
